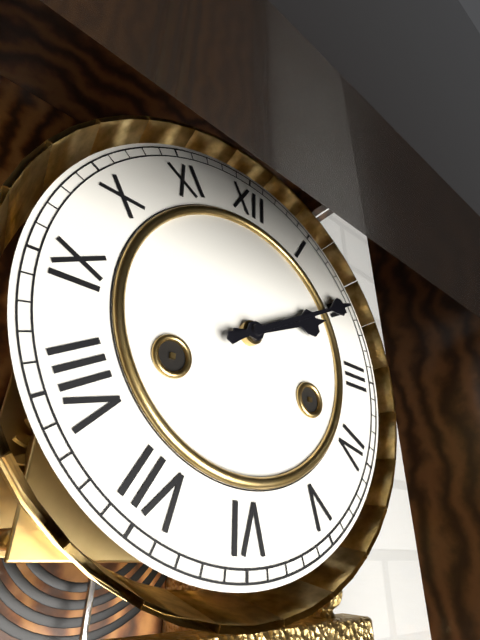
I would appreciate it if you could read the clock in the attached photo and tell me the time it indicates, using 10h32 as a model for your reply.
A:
2h10
